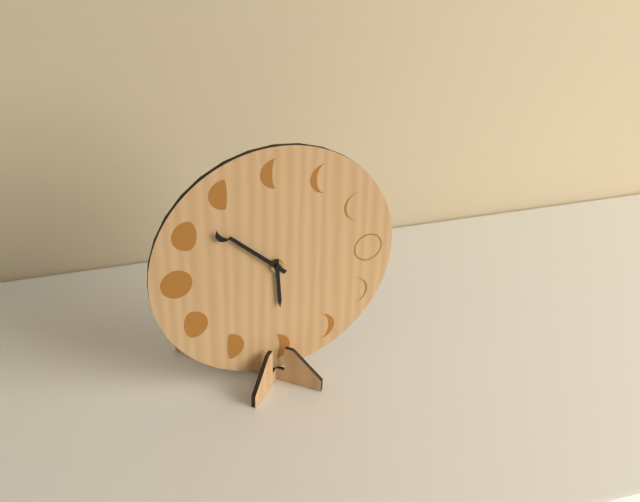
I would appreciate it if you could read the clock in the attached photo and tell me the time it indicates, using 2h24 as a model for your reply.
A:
5h52
